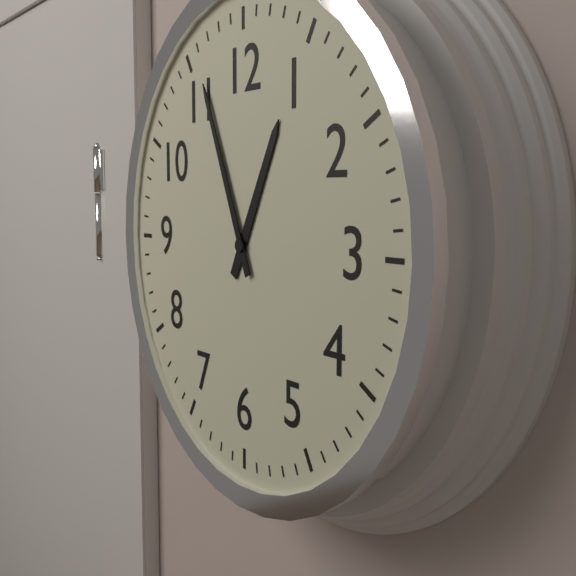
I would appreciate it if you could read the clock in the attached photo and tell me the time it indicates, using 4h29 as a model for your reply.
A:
12h56
